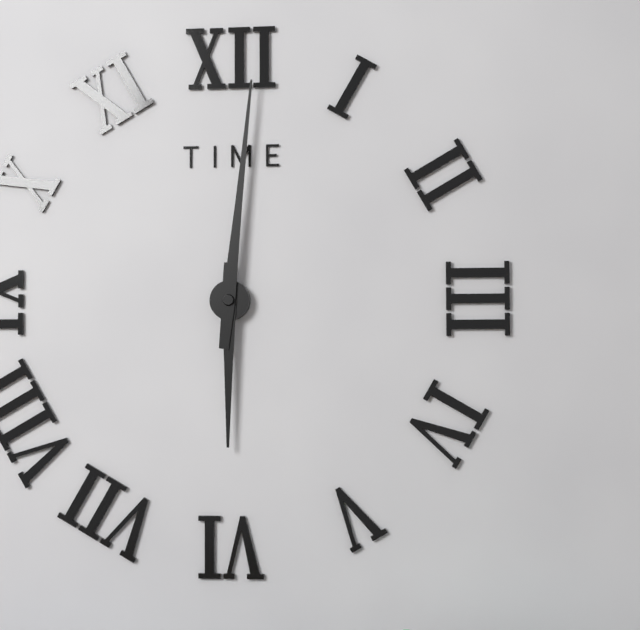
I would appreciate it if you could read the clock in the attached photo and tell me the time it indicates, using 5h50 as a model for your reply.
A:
6h01
